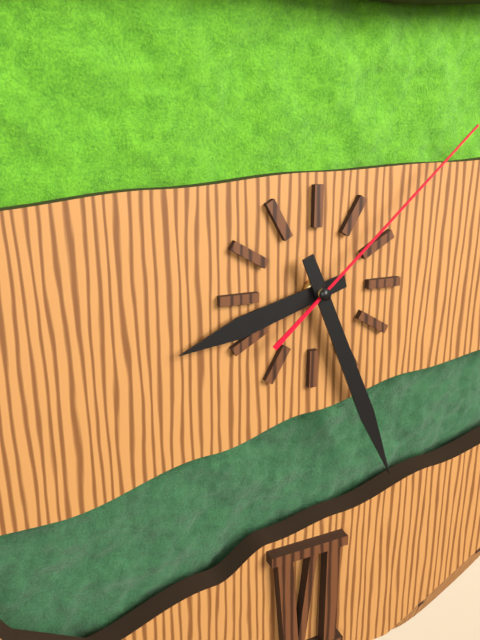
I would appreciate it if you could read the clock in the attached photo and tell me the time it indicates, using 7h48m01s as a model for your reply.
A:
8h26m08s
